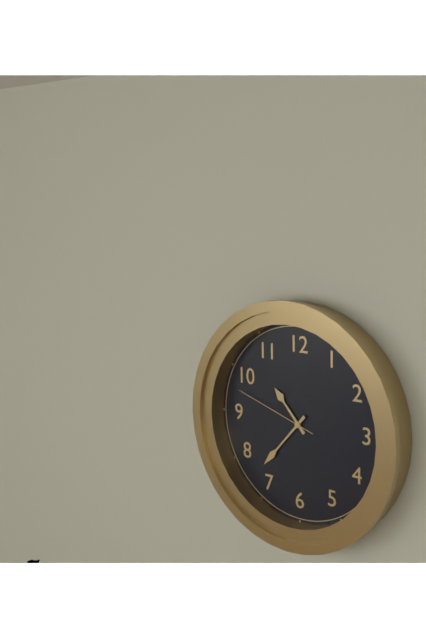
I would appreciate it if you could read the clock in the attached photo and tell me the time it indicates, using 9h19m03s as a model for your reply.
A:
10h37m48s
